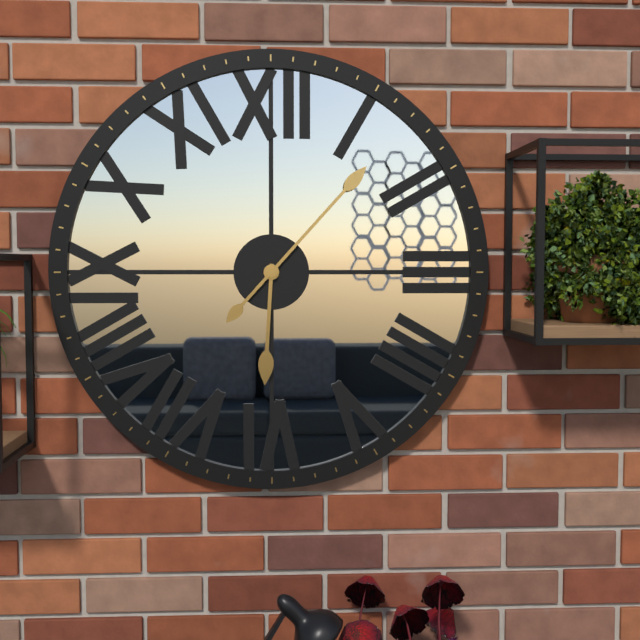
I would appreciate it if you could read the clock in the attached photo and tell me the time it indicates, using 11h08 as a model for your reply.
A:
6h07
